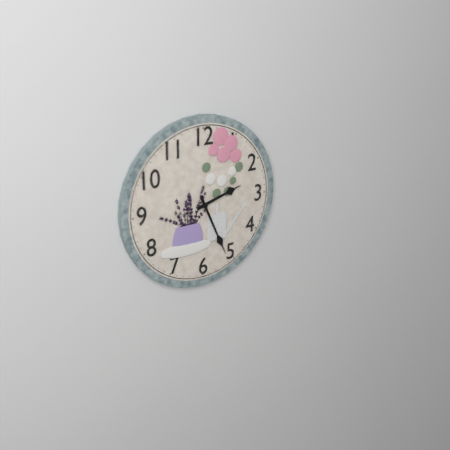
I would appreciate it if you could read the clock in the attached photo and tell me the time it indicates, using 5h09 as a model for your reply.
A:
2h26
